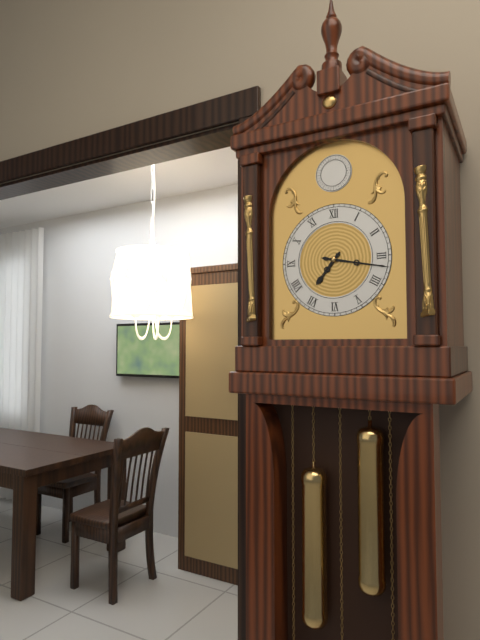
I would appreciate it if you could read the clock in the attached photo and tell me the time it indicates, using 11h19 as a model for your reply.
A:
7h17
